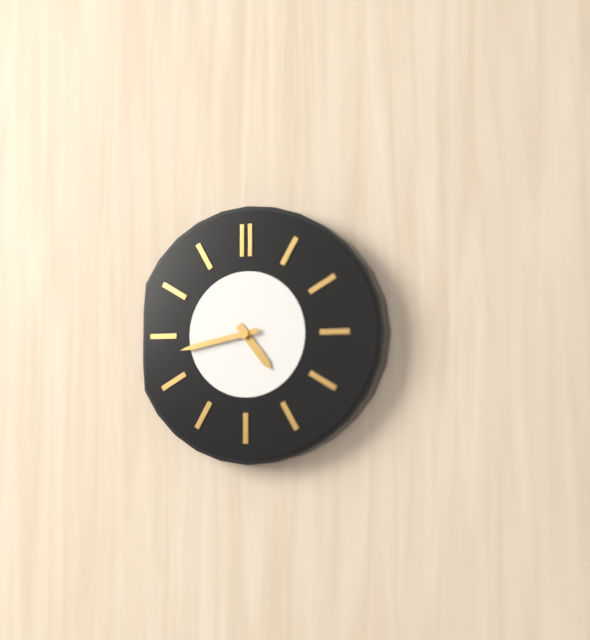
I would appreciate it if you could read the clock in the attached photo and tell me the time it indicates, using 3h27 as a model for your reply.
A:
4h43
